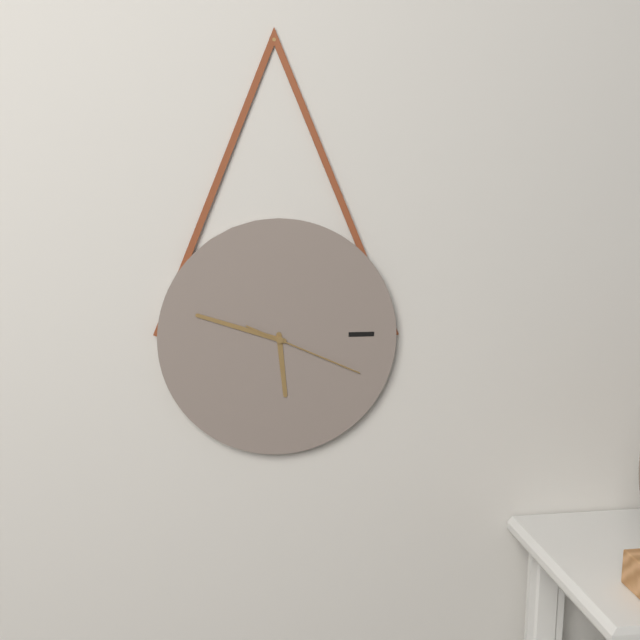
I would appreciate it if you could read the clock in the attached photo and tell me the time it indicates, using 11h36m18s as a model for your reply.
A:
5h48m19s
